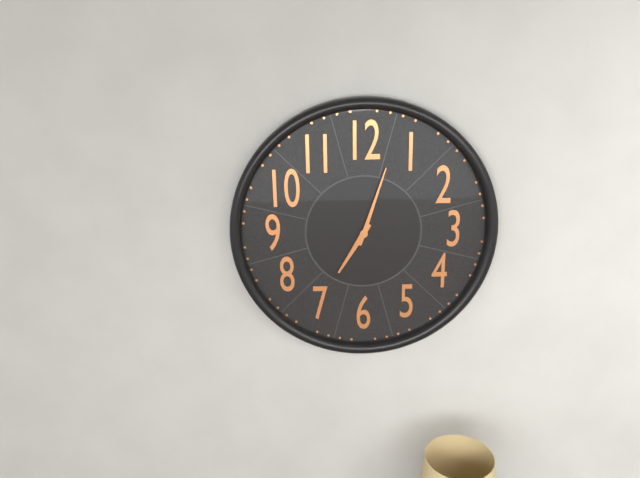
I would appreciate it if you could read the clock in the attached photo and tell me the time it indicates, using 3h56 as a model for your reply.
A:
7h03
